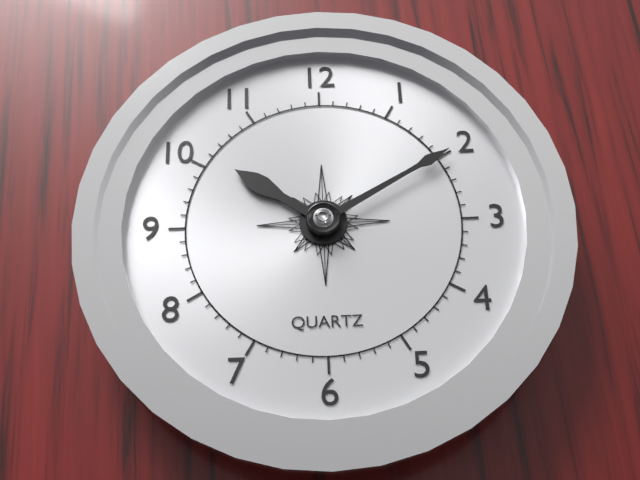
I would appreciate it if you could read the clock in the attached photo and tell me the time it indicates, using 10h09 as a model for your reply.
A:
10h10
